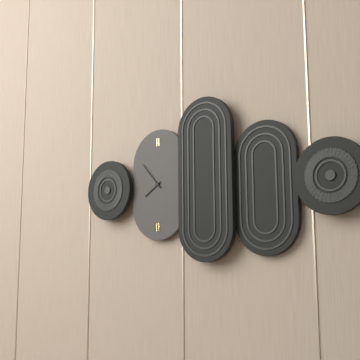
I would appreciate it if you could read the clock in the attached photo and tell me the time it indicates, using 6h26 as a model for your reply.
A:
7h53
